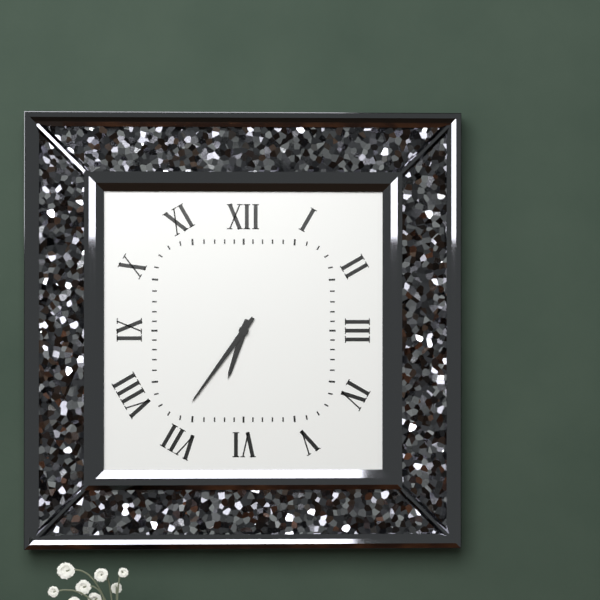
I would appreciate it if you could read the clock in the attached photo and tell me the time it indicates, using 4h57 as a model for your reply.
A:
6h36
